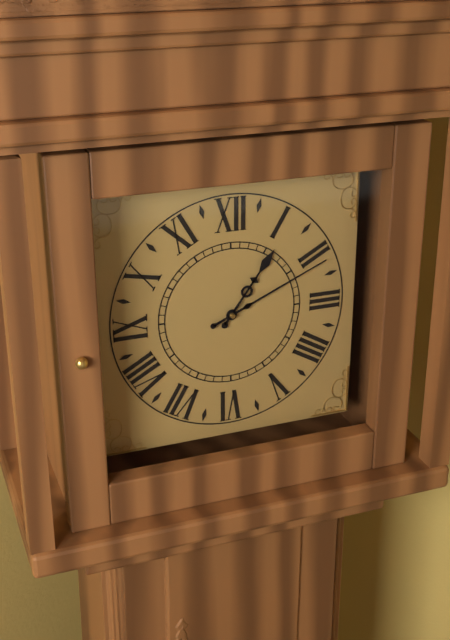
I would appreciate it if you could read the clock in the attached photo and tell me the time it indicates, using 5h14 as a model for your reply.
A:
1h11
